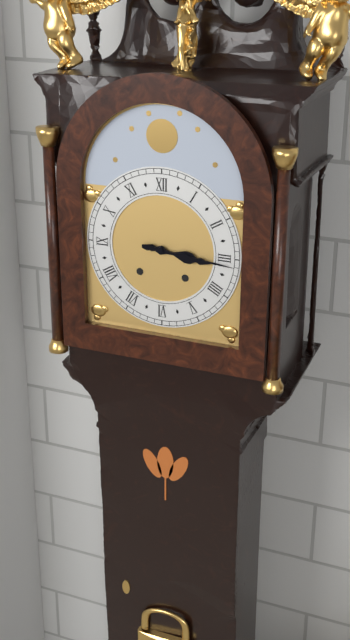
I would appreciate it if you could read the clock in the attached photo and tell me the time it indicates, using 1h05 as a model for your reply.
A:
3h16
